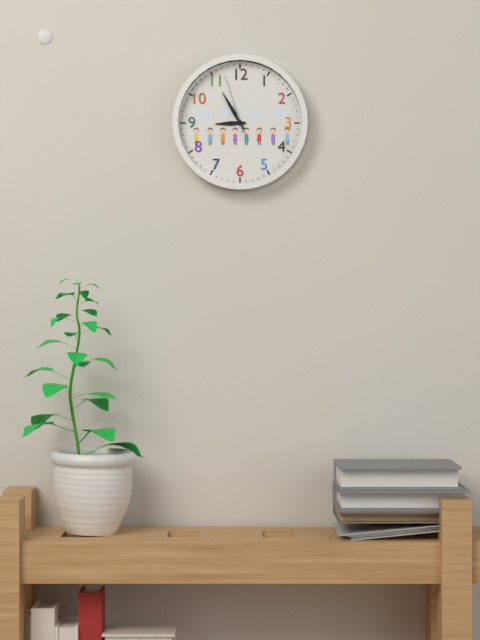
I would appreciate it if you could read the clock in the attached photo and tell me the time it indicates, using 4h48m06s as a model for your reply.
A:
8h55m57s
